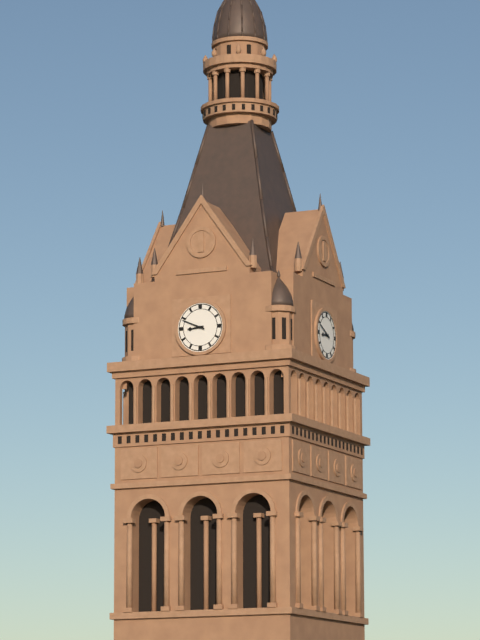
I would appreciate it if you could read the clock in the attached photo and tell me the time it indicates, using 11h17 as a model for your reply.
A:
8h49
